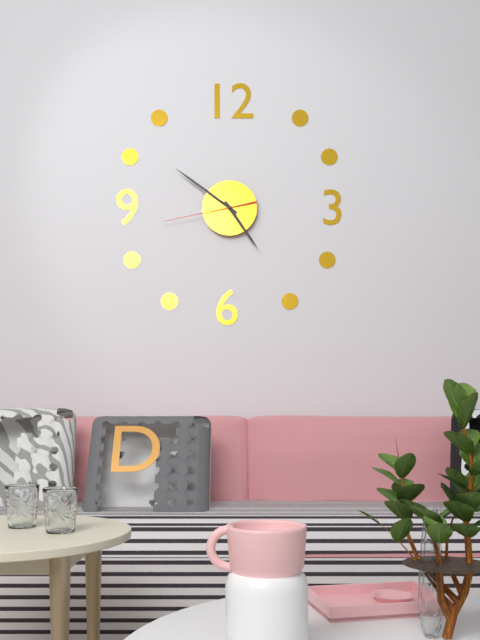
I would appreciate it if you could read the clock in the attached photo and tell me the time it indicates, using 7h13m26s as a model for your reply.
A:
4h51m43s
